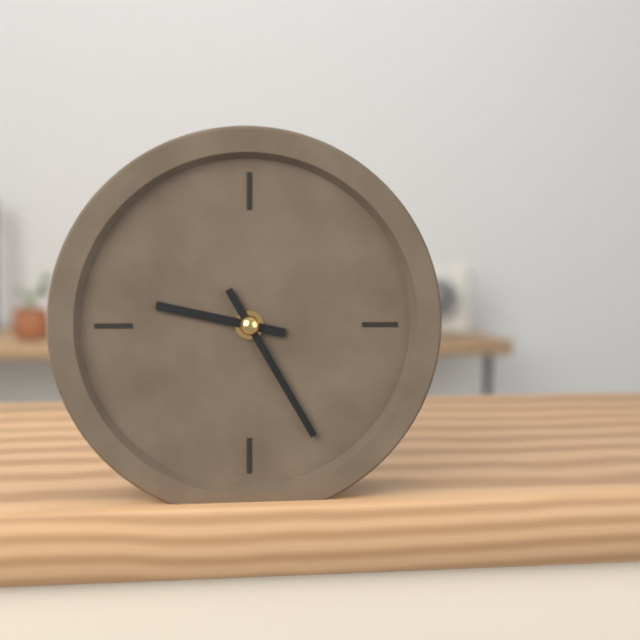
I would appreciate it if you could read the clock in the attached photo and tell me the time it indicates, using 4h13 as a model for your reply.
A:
9h25
